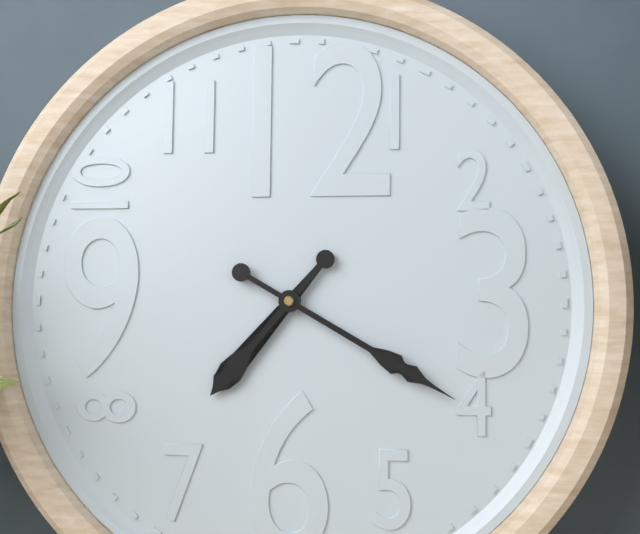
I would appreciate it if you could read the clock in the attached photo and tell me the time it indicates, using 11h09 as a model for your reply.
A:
7h20
